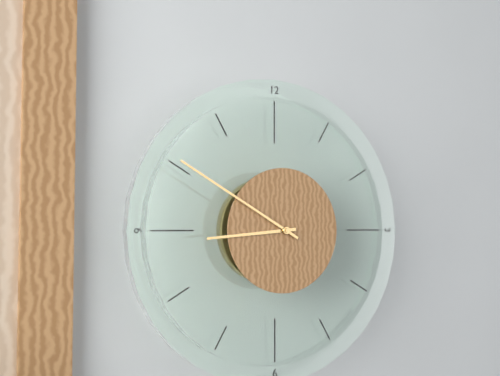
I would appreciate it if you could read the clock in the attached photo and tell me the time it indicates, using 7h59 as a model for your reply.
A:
8h50
